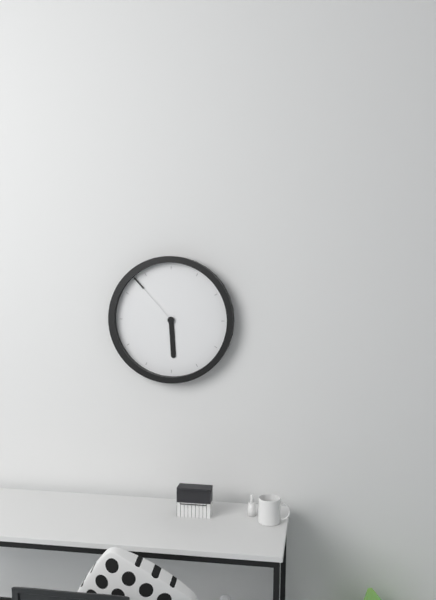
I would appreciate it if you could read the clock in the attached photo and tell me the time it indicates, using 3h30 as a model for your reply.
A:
5h53
